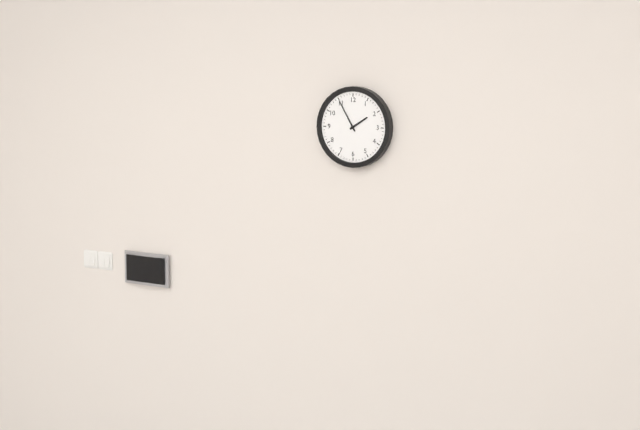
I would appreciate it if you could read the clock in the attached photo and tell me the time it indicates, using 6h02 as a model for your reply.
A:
1h55
